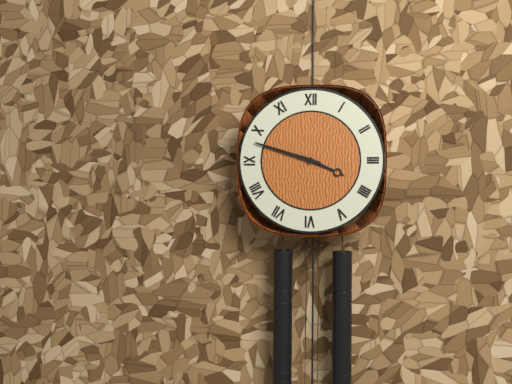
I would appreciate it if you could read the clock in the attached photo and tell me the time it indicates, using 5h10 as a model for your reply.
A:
3h48
